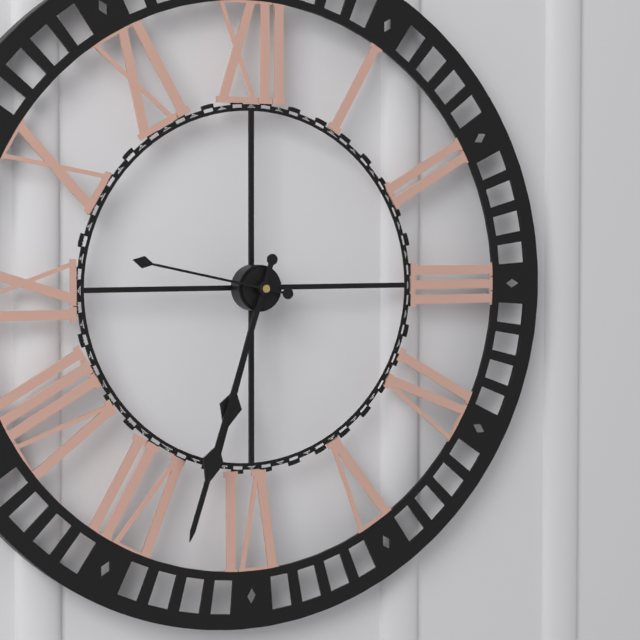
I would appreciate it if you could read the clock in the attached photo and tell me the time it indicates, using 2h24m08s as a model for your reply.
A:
6h33m47s
